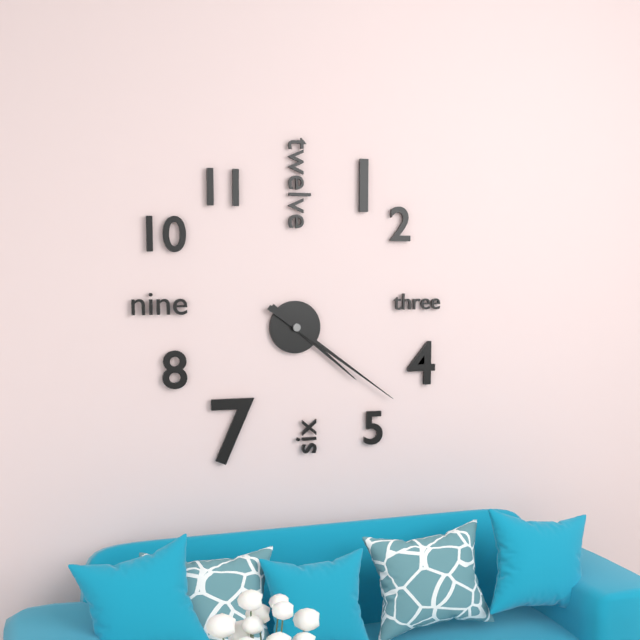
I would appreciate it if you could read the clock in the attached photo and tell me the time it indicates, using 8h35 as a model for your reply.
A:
4h21
